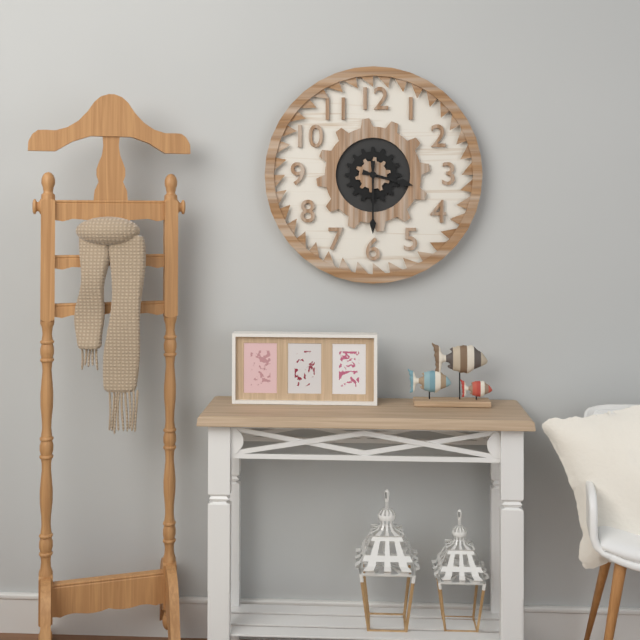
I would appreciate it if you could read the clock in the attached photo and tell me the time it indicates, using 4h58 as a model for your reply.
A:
3h30
